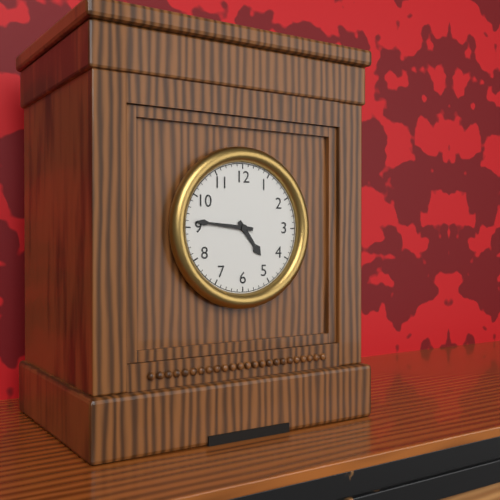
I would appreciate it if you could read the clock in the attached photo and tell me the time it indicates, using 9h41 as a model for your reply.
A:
4h46
